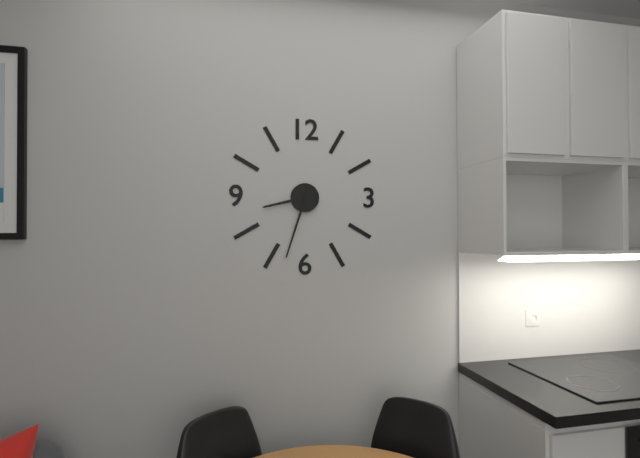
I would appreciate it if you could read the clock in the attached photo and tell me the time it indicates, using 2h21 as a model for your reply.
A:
8h33
